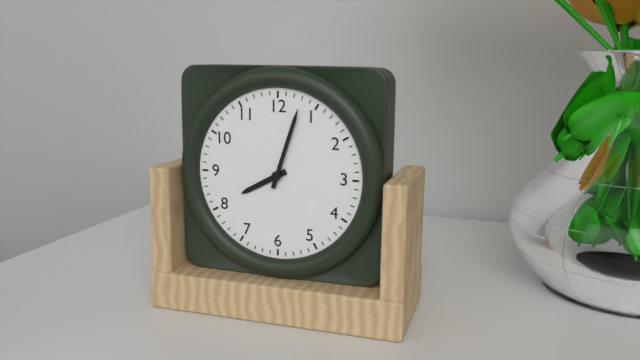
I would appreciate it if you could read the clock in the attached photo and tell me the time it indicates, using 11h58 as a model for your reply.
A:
8h03
